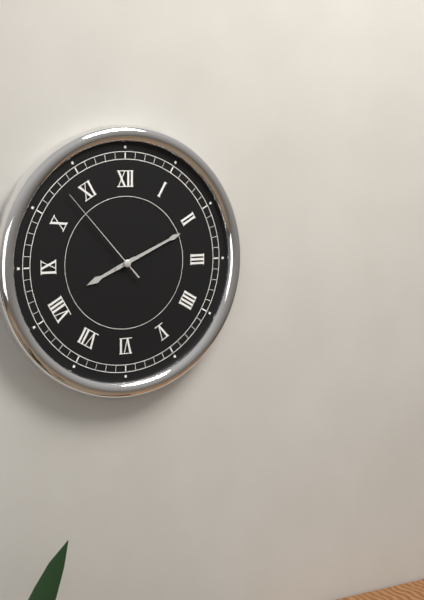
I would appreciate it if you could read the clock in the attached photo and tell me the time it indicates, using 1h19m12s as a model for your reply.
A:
8h11m53s
